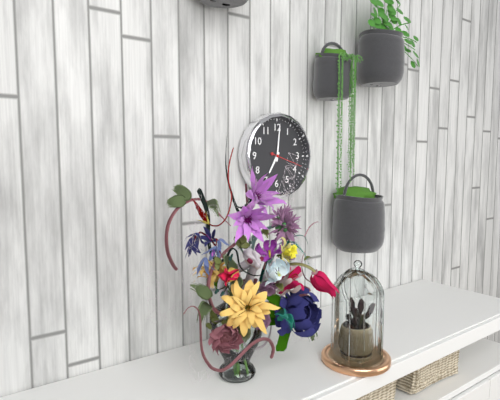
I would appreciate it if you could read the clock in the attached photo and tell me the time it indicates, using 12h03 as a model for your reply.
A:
7h01
